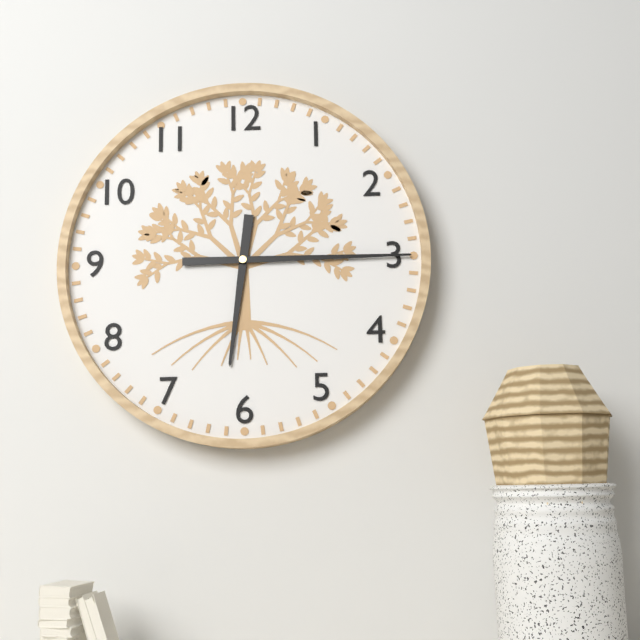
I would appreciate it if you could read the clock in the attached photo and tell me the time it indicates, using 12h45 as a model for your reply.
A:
6h15
